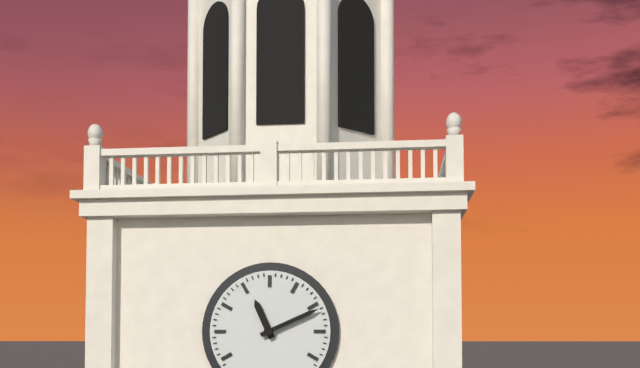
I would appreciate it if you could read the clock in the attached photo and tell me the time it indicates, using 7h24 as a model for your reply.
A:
11h11
